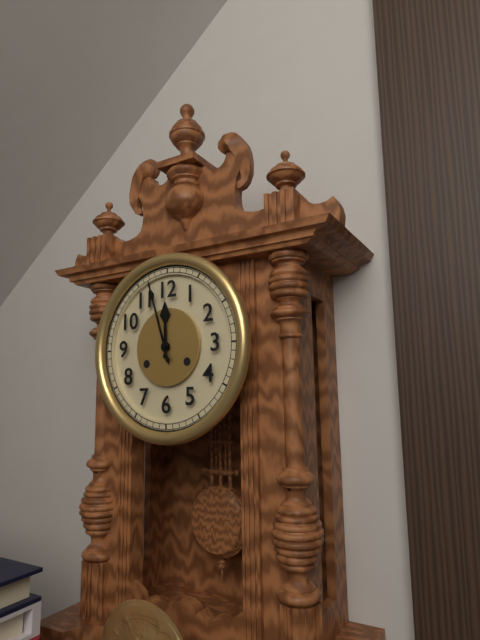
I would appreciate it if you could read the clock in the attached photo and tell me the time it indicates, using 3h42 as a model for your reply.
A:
11h57
